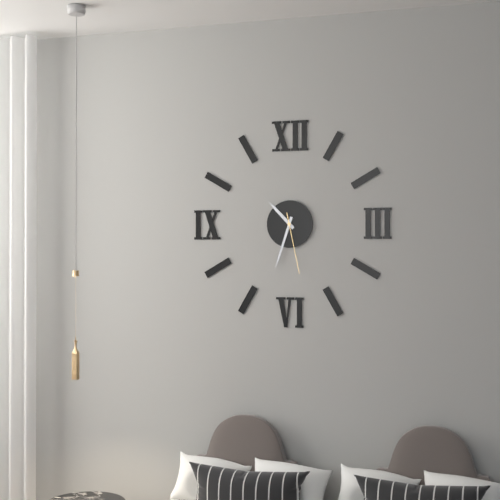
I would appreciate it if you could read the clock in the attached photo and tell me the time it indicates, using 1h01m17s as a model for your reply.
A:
10h33m28s
